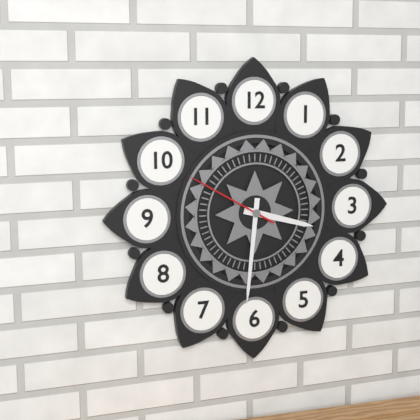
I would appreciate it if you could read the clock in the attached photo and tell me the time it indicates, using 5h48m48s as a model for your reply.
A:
3h31m50s
